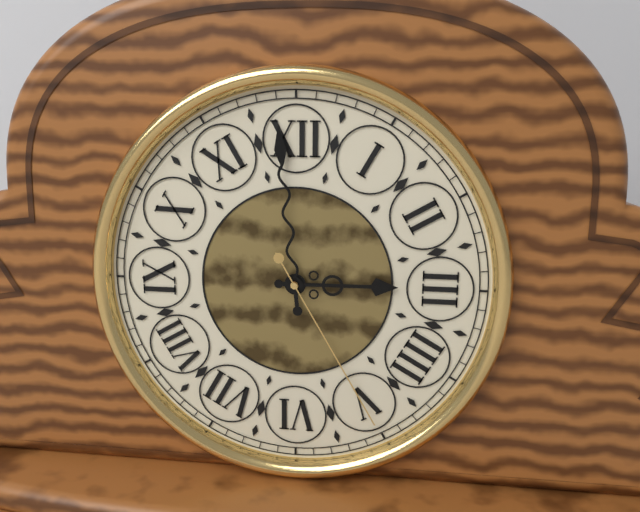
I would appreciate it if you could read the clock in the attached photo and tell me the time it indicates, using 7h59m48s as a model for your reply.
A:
2h59m25s
